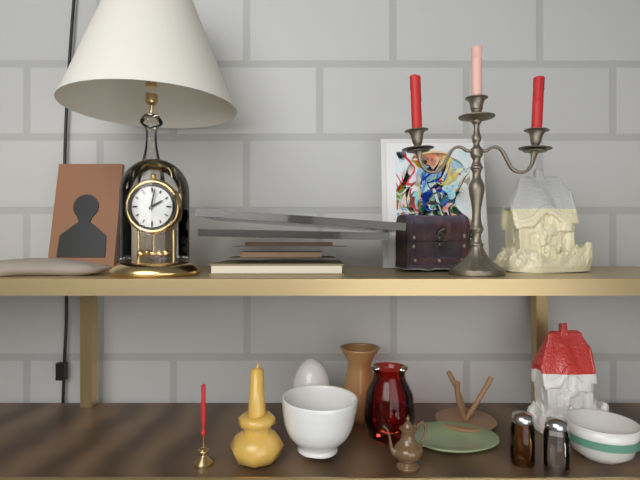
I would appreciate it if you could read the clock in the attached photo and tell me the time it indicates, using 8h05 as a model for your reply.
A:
2h02
